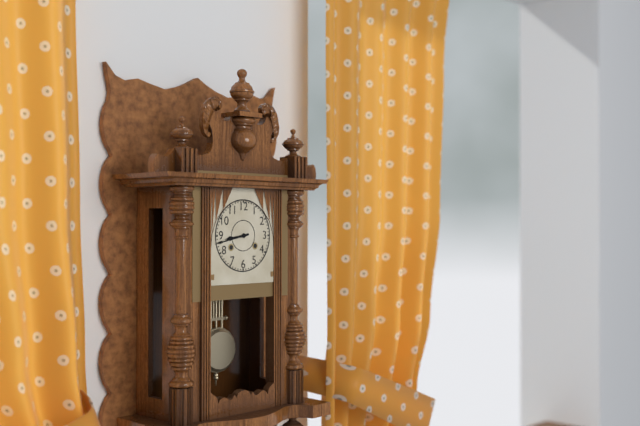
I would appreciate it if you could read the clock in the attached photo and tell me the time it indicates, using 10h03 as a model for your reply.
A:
8h43
